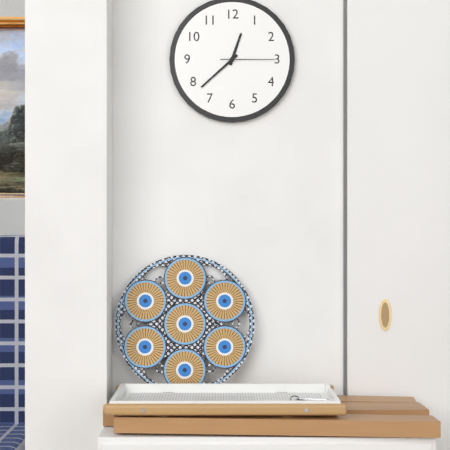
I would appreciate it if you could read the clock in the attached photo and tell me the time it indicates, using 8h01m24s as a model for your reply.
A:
12h38m15s
